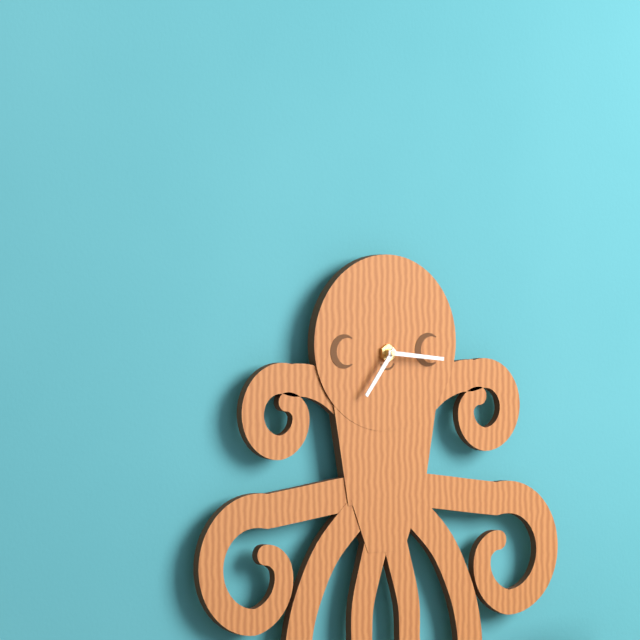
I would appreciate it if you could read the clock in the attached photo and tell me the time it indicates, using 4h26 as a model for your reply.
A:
7h16
